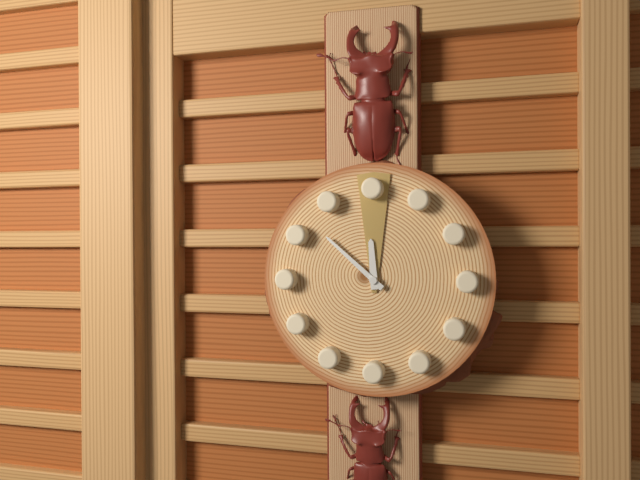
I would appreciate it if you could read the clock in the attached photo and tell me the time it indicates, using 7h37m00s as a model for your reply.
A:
11h52m00s
